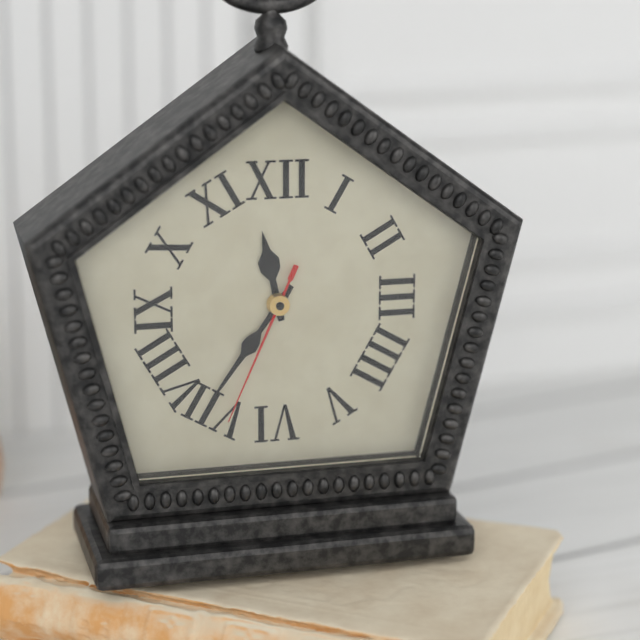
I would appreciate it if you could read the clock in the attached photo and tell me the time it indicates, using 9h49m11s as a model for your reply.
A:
11h36m34s
